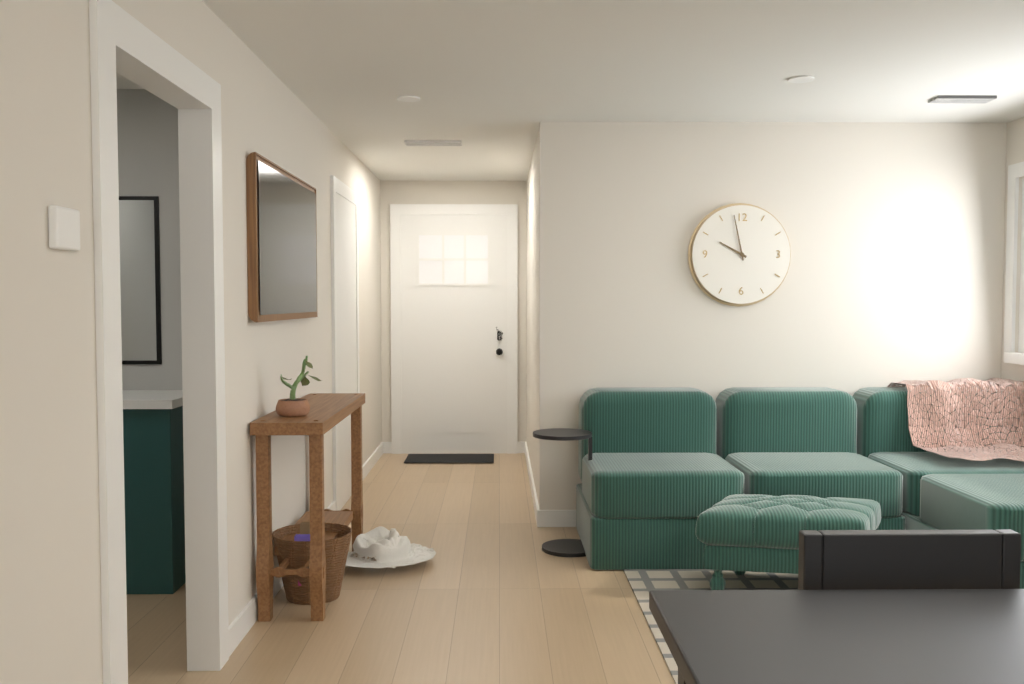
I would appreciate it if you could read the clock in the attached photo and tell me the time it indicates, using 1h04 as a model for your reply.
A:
9h58
